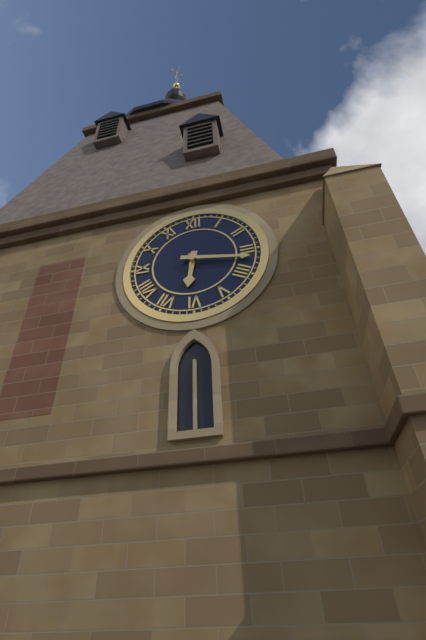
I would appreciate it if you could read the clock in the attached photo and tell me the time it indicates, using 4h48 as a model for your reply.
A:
6h17
